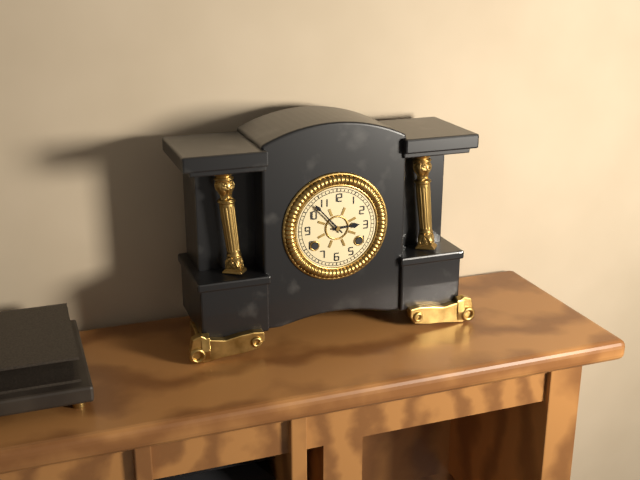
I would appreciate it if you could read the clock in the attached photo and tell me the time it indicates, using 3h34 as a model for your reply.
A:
2h53
